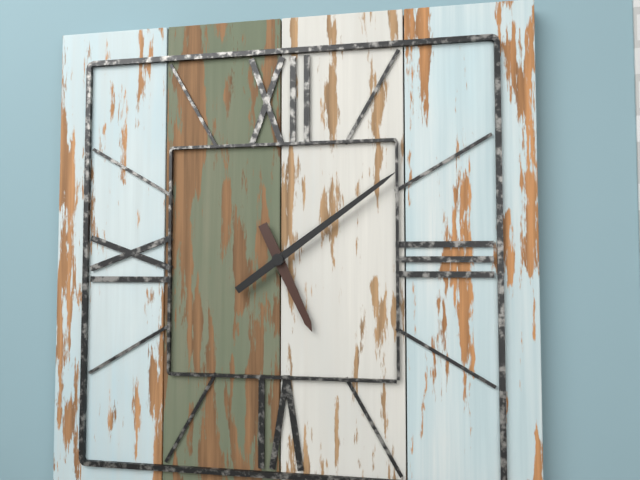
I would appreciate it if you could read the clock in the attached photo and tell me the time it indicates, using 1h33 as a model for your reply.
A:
5h09
